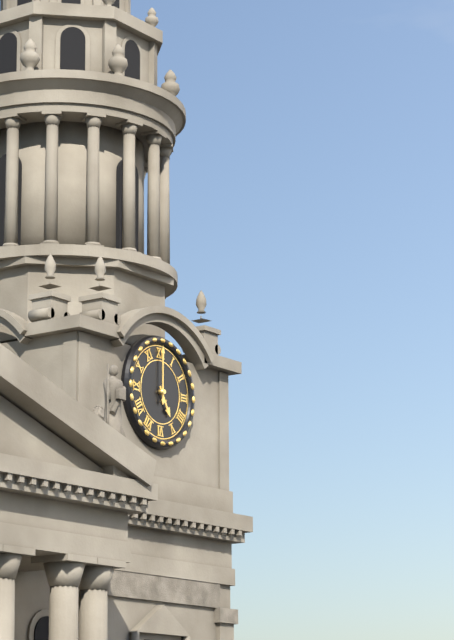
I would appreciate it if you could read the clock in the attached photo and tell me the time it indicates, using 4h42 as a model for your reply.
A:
5h00
